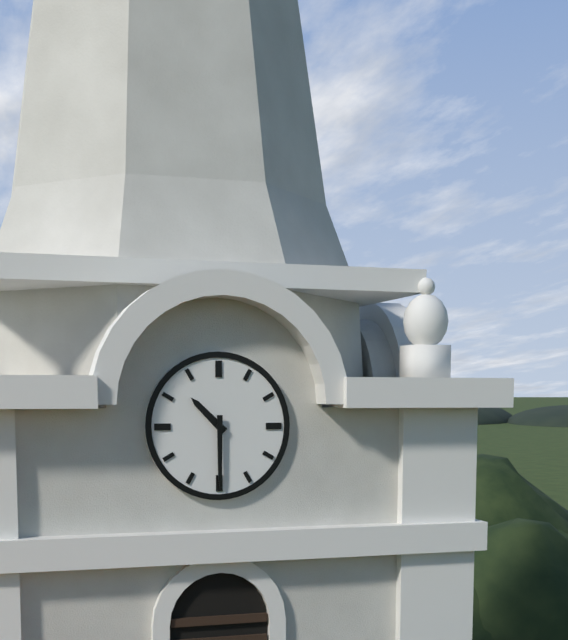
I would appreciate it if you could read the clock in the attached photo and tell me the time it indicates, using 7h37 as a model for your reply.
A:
10h30
